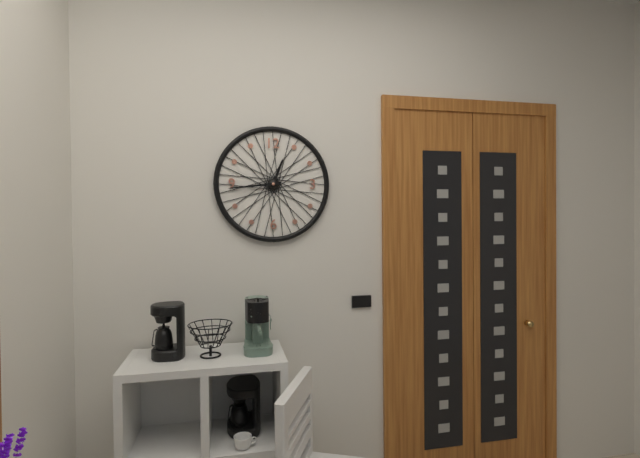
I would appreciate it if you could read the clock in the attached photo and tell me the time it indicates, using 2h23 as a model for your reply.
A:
12h44
